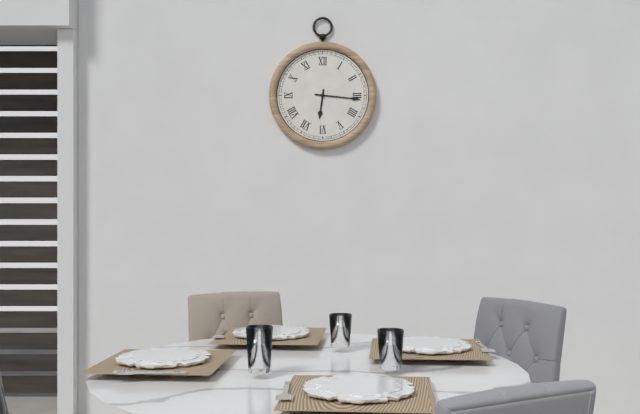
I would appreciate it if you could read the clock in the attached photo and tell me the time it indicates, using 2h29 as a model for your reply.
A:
6h16
